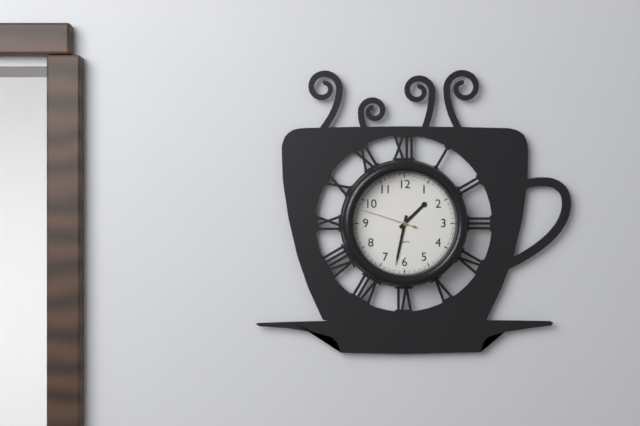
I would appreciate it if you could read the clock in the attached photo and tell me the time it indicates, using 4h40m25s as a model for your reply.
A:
1h32m48s
